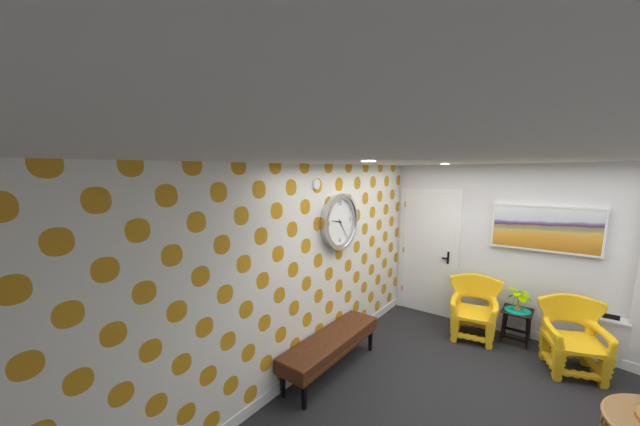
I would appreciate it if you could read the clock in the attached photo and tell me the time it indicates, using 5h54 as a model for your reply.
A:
9h24
